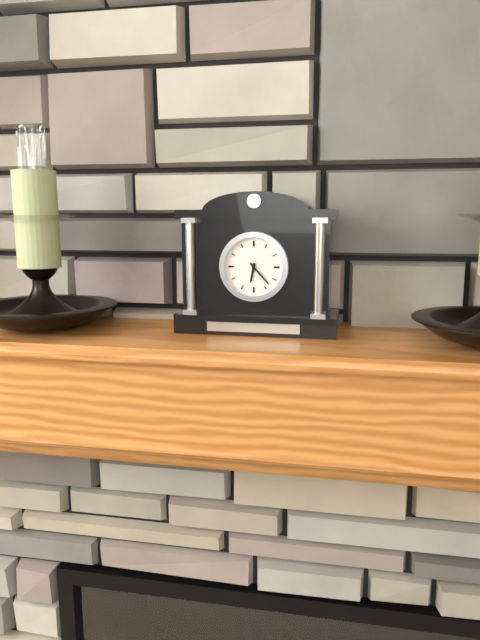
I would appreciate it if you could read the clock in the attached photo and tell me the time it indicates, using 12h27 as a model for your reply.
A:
6h23
